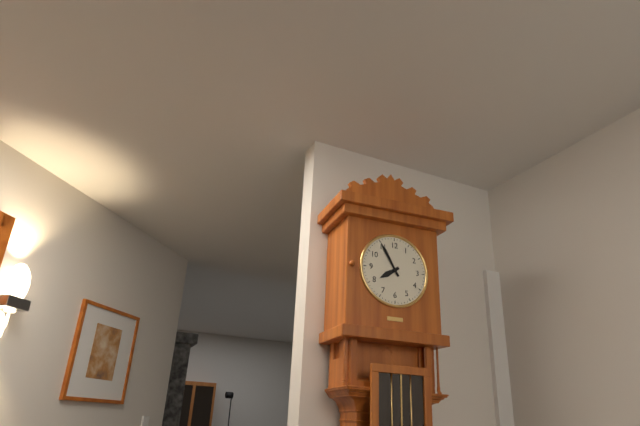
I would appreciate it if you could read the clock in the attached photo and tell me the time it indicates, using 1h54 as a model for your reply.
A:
7h55
